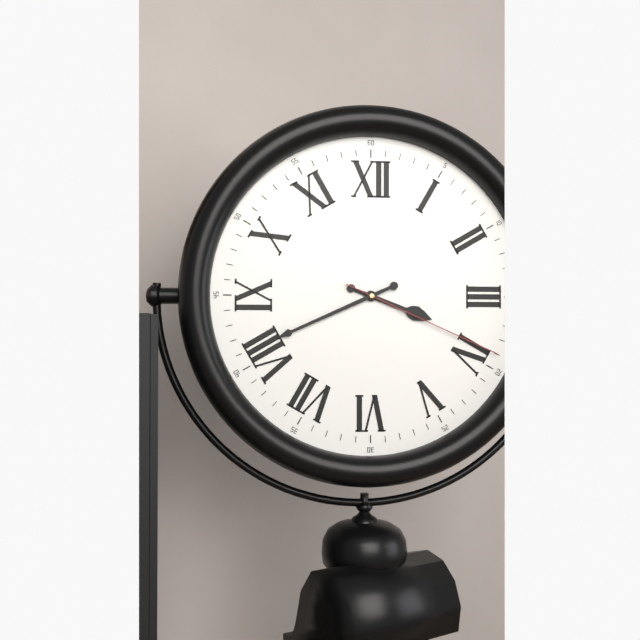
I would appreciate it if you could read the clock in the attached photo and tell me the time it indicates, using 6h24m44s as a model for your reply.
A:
3h41m19s
